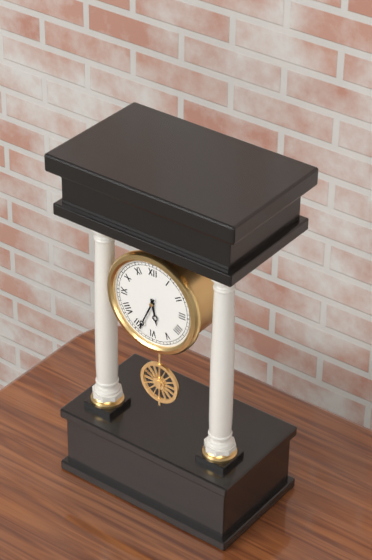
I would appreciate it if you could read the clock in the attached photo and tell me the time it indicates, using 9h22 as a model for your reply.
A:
5h34
